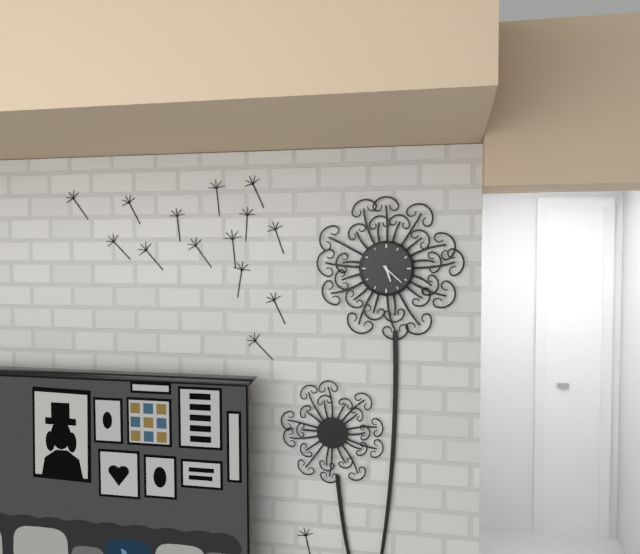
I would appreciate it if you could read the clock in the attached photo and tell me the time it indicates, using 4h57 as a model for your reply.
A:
5h22
